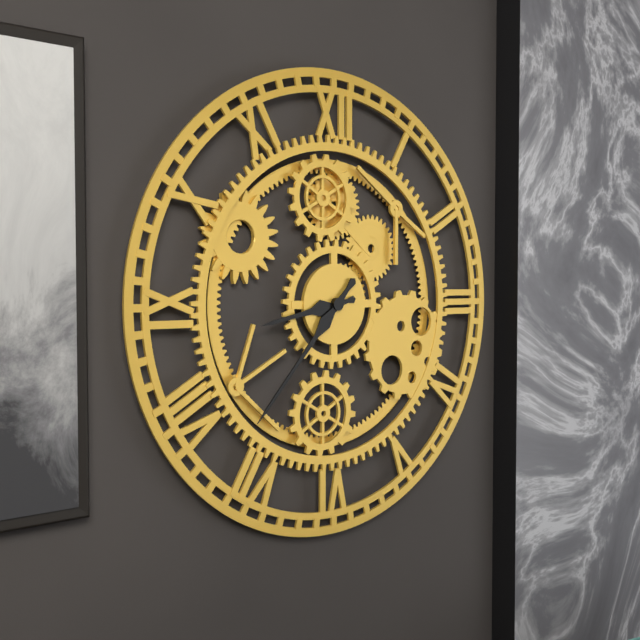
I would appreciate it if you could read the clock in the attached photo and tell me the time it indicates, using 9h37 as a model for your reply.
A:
8h37
